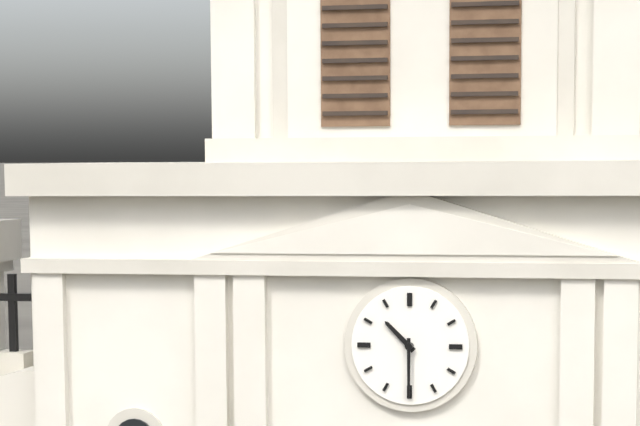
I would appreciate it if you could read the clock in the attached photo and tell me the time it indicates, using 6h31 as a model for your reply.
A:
10h30
